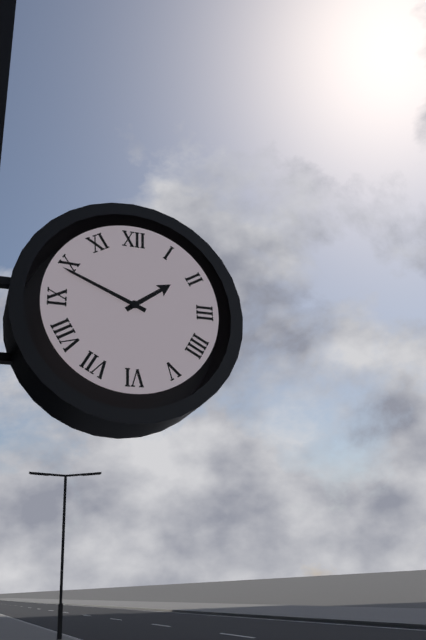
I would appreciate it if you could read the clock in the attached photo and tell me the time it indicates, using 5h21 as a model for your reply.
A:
1h49
